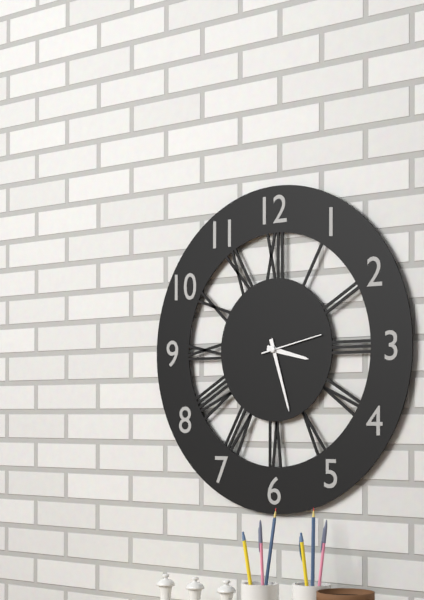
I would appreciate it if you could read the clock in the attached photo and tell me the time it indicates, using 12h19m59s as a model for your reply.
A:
3h27m13s
